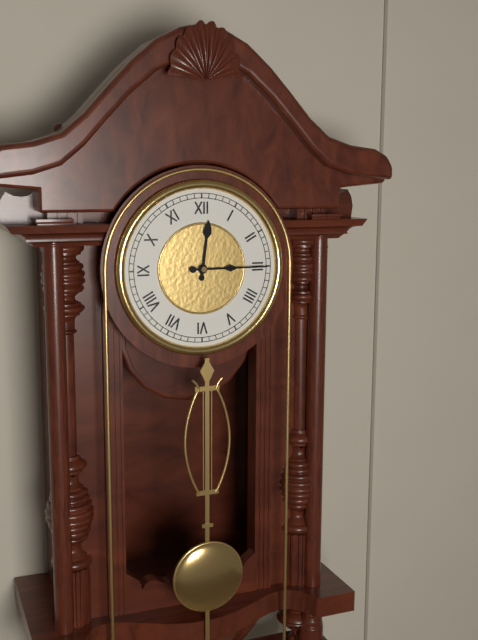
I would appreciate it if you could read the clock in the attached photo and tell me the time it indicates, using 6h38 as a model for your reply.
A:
12h15
